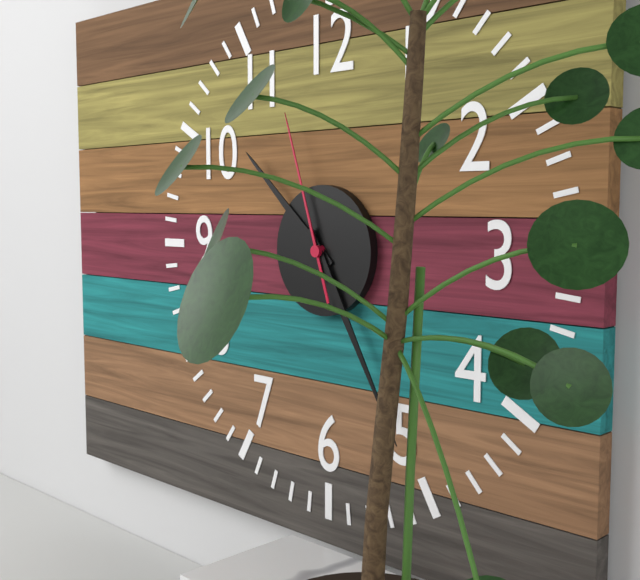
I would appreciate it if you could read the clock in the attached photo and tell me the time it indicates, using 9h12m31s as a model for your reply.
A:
10h25m57s
